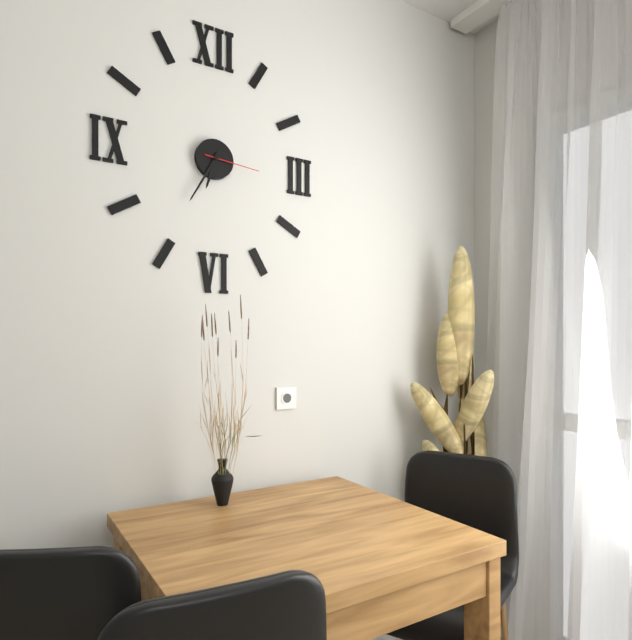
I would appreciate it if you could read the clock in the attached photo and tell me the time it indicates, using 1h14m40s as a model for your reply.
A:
6h35m16s
